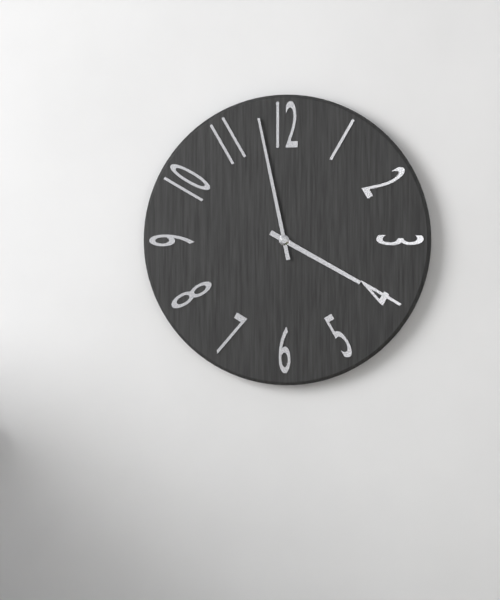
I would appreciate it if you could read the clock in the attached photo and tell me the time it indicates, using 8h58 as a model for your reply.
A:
3h58
